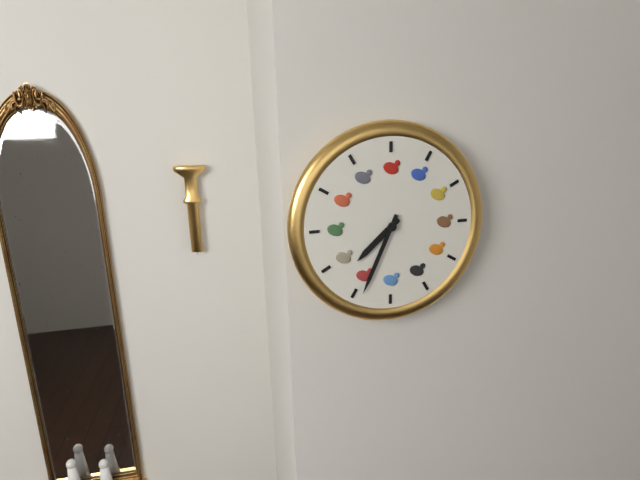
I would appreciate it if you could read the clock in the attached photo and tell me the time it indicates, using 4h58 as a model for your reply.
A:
7h34
